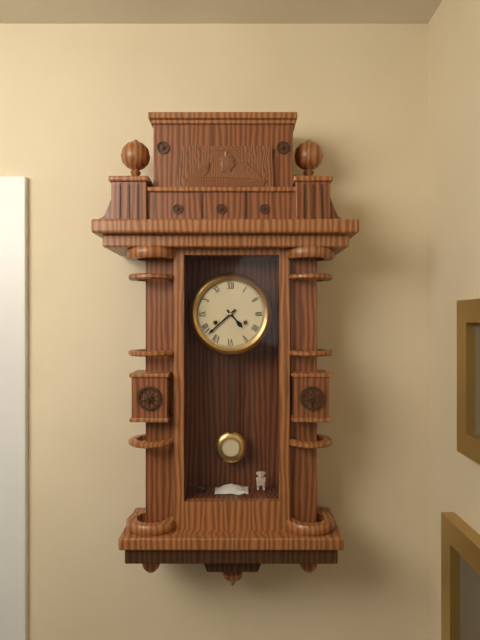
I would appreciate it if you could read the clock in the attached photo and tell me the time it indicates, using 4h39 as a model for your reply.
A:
4h38
